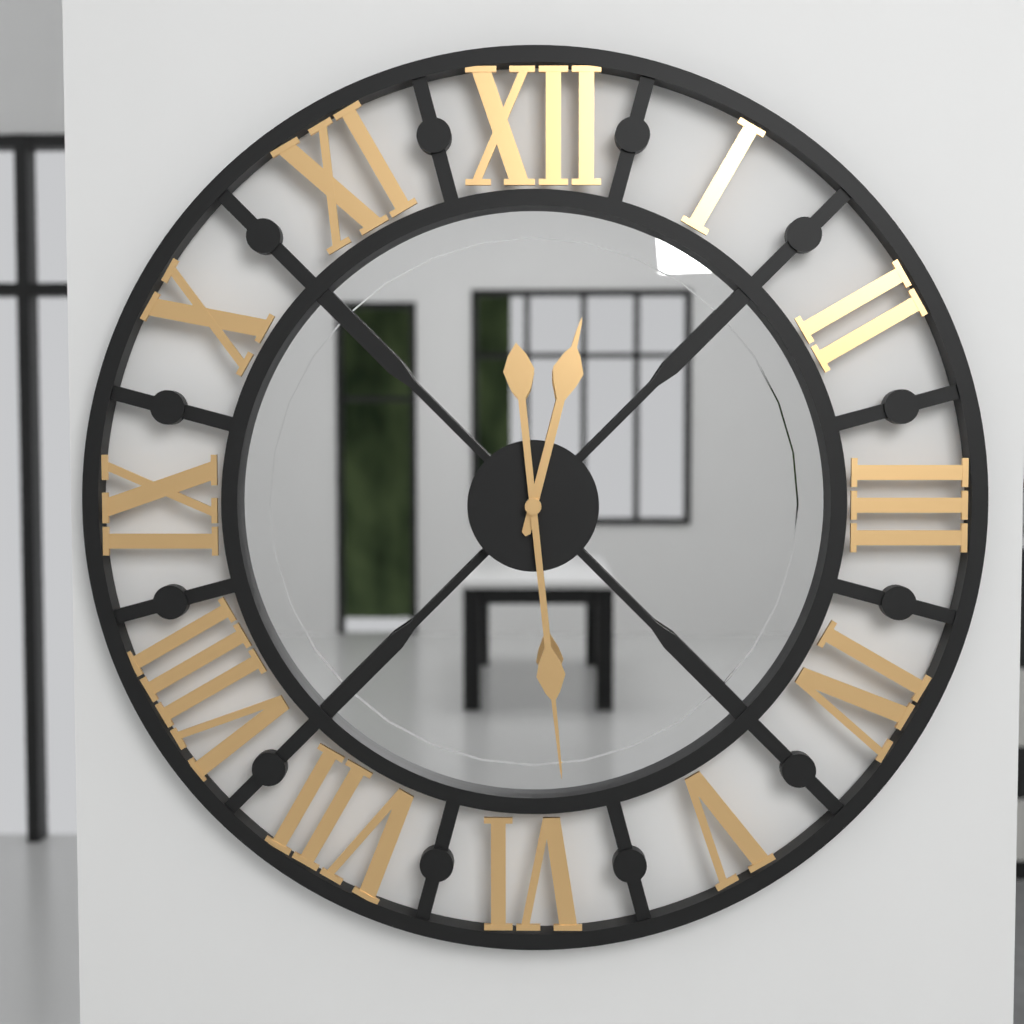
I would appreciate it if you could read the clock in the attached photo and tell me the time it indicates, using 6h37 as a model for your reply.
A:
12h29
